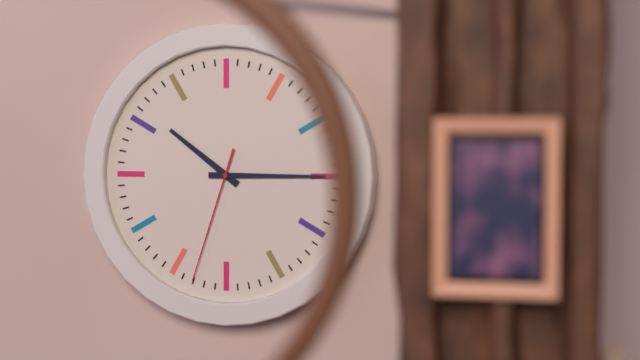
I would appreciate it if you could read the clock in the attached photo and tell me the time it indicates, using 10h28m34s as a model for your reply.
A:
10h15m33s
